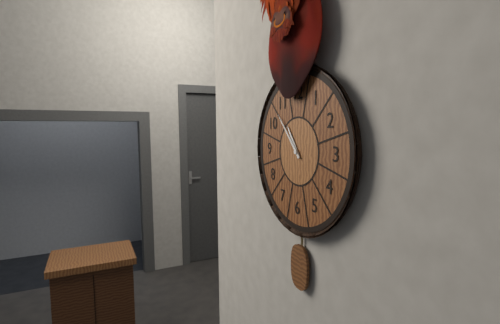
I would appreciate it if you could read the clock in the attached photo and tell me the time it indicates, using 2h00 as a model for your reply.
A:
10h53
